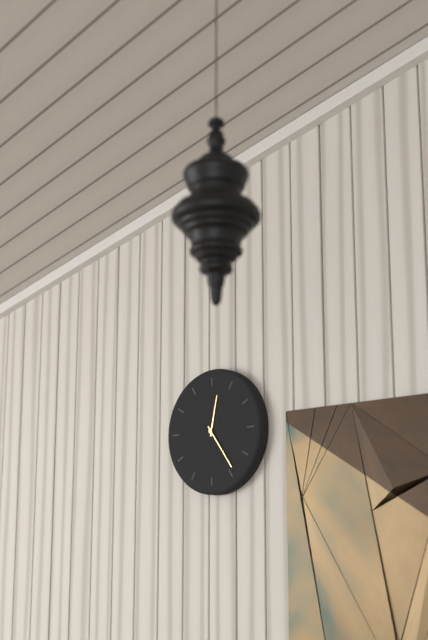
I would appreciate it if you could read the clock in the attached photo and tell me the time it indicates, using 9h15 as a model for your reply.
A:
12h24
